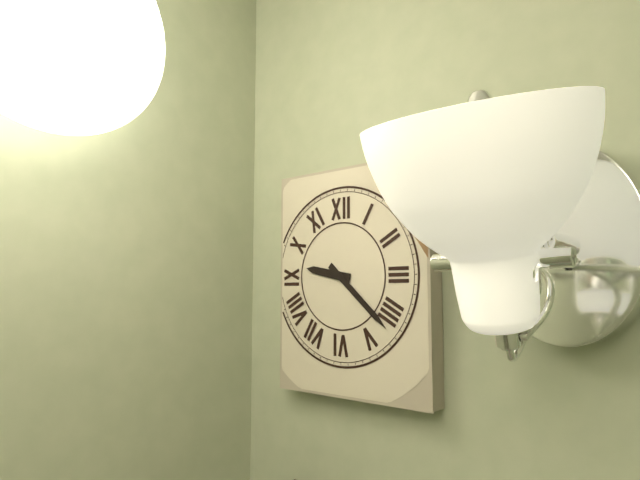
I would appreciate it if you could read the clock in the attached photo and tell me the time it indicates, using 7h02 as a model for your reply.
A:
9h22
